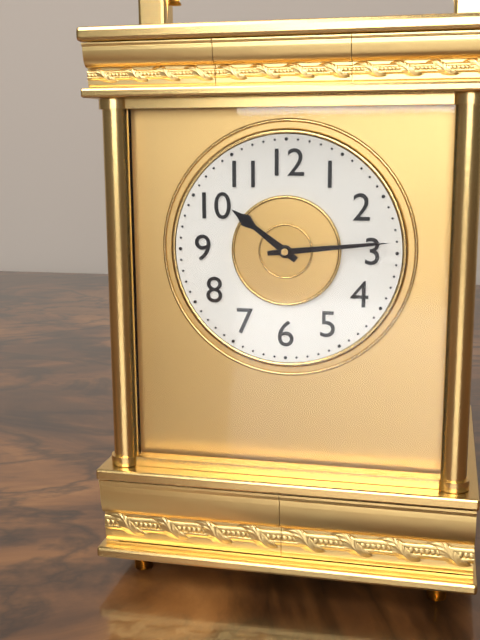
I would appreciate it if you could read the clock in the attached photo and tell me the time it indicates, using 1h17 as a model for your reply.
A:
10h14
